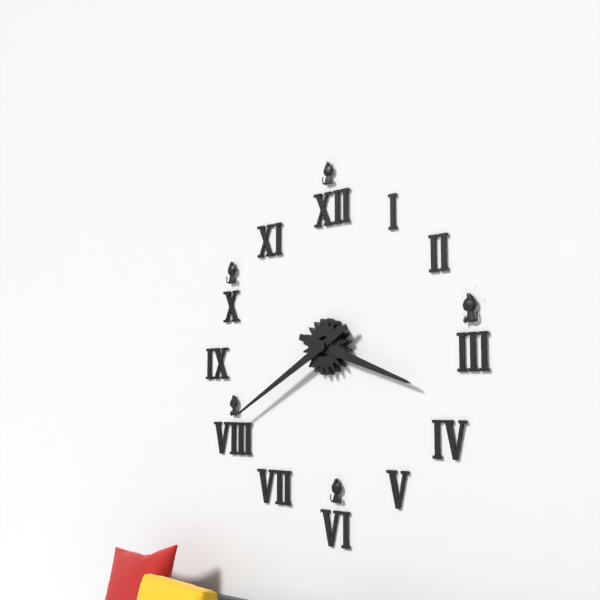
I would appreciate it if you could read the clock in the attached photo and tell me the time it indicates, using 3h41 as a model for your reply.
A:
3h40
